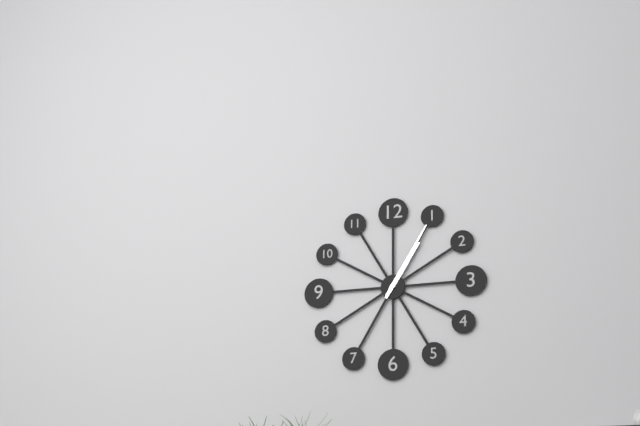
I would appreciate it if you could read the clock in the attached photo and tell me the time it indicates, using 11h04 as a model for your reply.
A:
1h05
